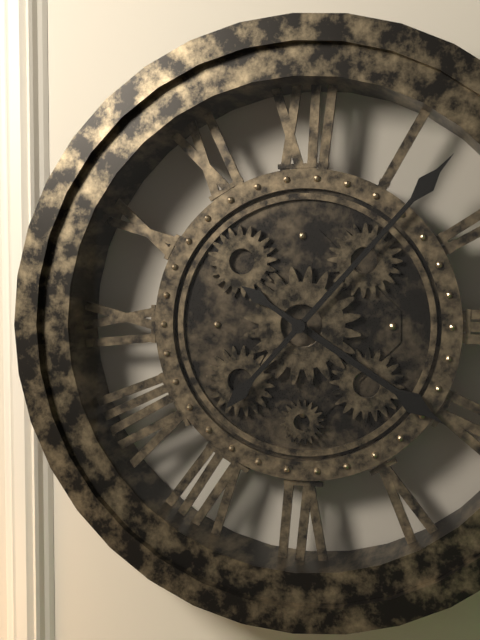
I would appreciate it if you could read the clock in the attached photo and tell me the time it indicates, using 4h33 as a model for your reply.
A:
4h07
